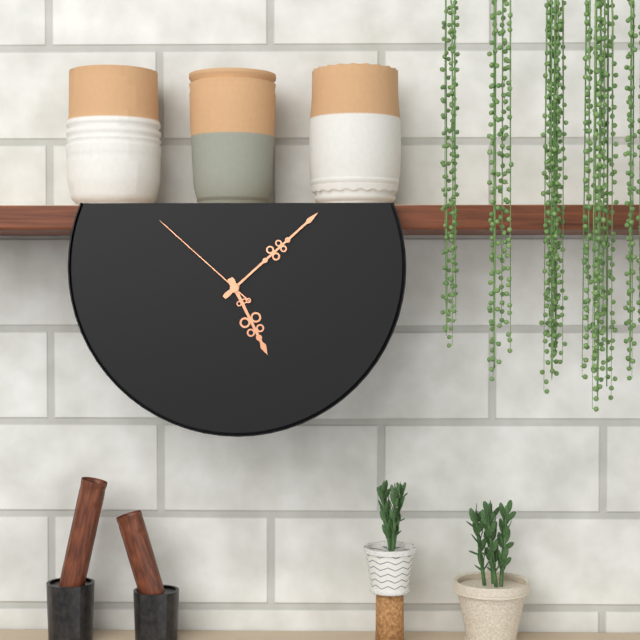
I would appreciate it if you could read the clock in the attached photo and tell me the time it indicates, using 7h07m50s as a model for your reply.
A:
5h08m52s
